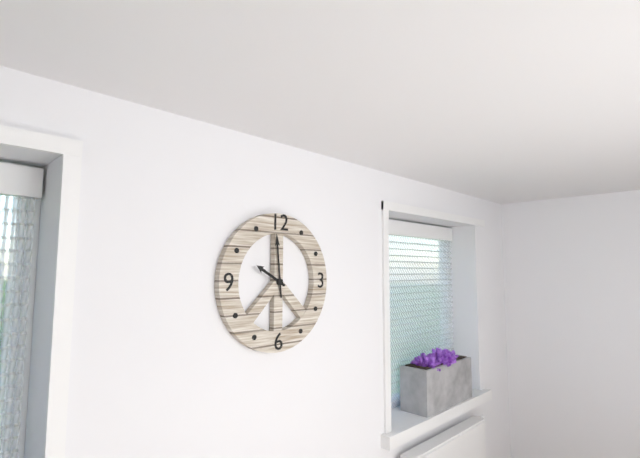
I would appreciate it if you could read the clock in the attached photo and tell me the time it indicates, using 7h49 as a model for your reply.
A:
9h59
